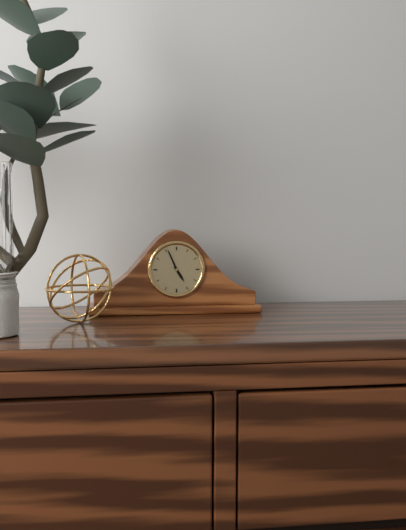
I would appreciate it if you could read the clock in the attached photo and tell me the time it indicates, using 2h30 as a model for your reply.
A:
4h56
